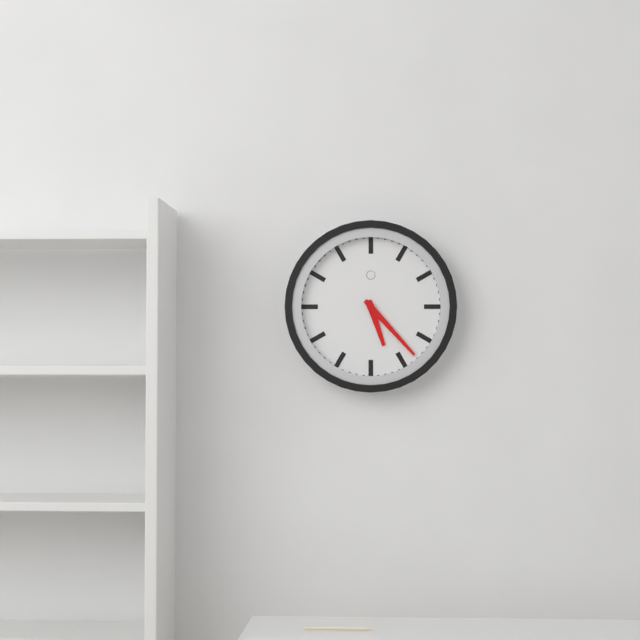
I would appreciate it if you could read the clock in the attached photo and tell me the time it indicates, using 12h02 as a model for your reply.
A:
5h23
